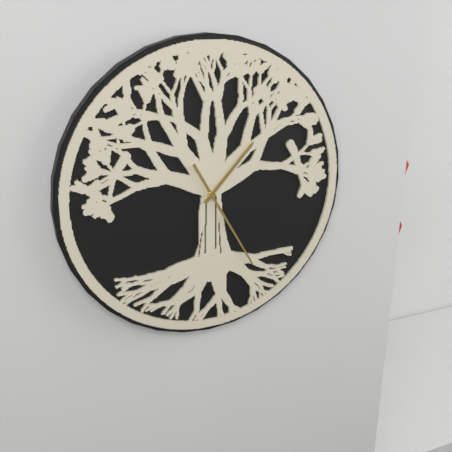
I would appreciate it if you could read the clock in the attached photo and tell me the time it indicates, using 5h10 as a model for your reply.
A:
1h25
